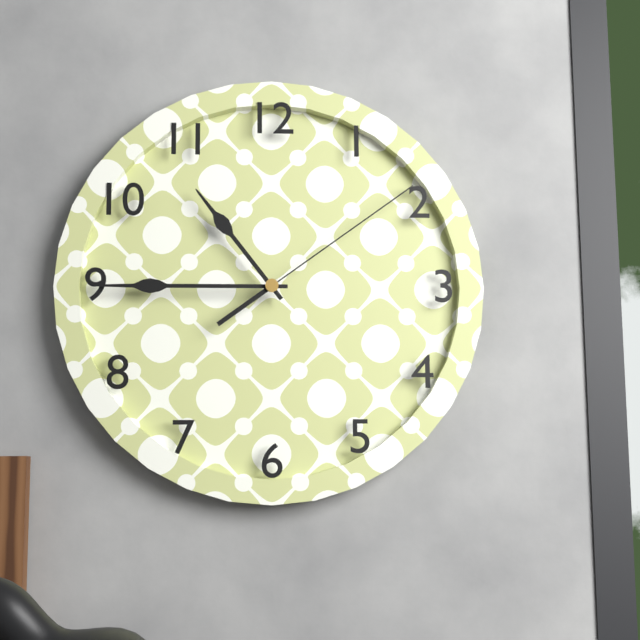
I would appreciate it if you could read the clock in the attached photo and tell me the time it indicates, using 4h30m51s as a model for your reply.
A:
10h45m09s
